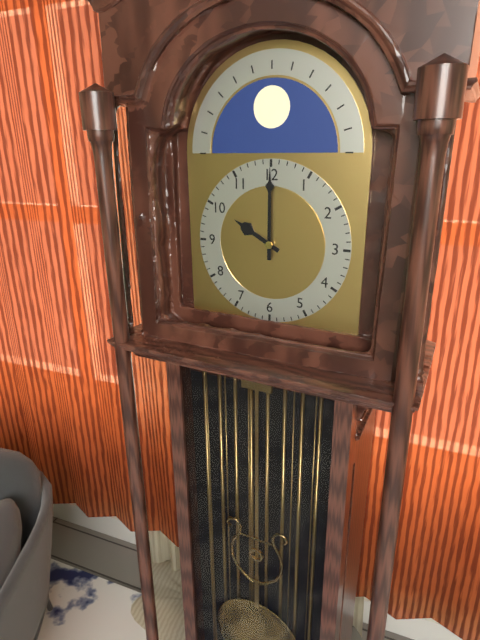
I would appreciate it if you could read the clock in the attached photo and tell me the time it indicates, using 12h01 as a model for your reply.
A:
10h00
